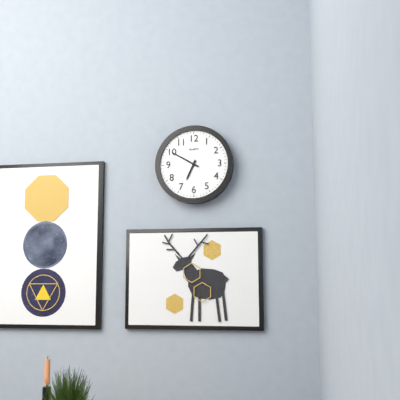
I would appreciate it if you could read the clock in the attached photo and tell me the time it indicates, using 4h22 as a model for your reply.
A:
6h50
